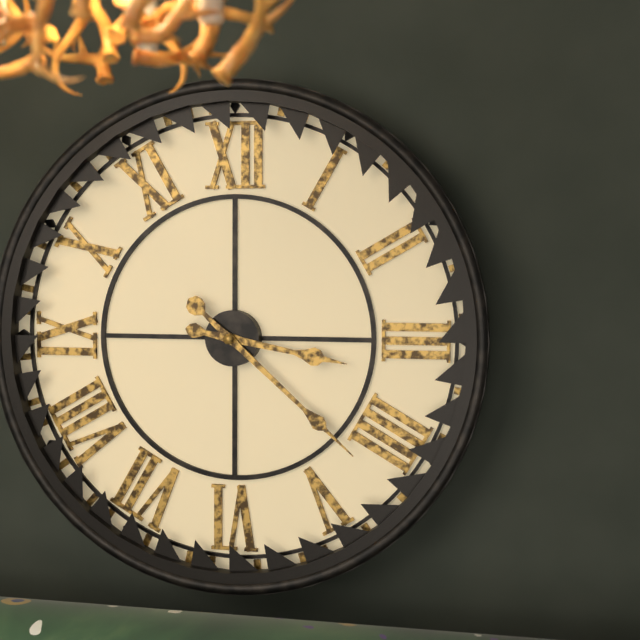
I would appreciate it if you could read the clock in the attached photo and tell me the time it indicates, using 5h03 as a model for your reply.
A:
3h22
